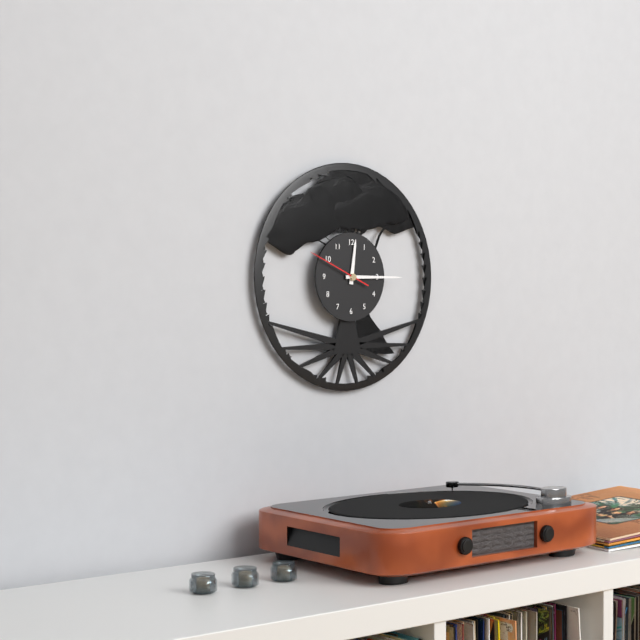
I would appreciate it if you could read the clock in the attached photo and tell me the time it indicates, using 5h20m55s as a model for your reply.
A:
12h15m49s
